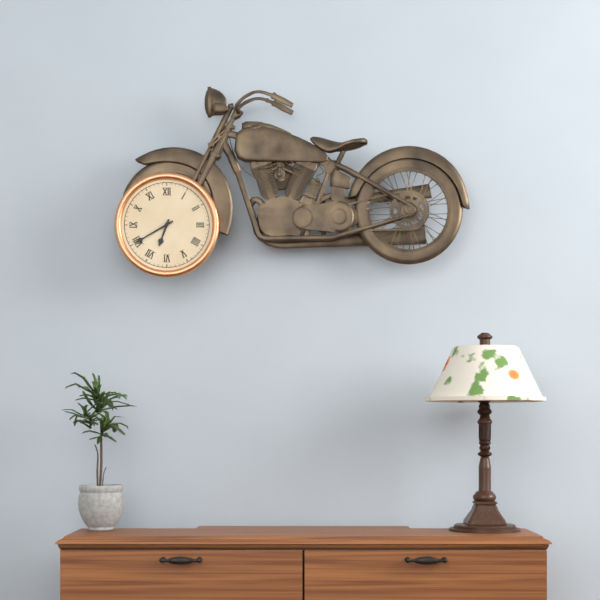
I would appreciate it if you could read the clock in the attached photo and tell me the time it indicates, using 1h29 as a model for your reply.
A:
6h40
